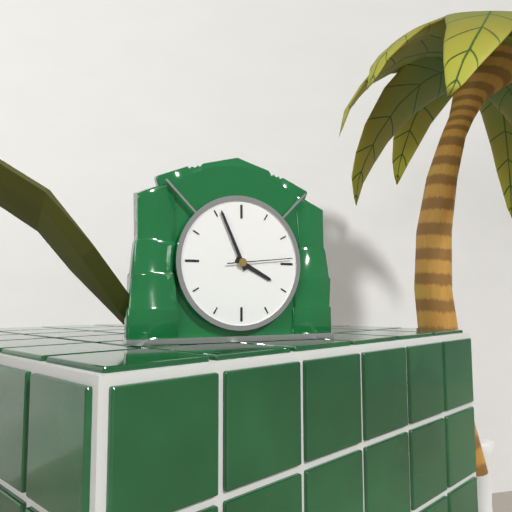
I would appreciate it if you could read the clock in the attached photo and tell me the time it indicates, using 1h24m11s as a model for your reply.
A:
3h56m14s
